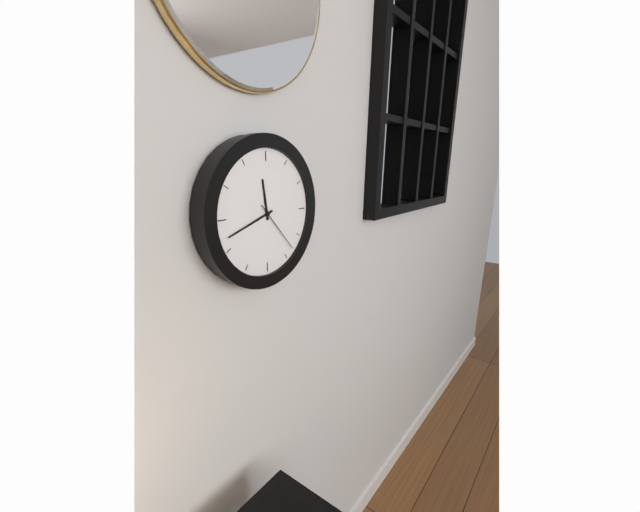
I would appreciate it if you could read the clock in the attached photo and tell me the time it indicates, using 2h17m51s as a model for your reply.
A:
11h42m23s
